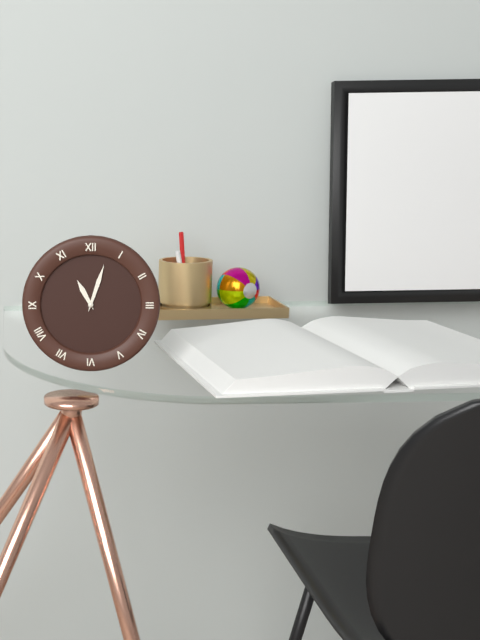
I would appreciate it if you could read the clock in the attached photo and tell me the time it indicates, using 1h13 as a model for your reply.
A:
11h03
